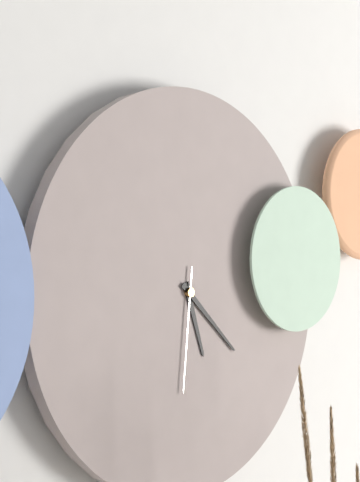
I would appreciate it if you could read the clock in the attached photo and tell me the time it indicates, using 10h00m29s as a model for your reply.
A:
5h22m31s
